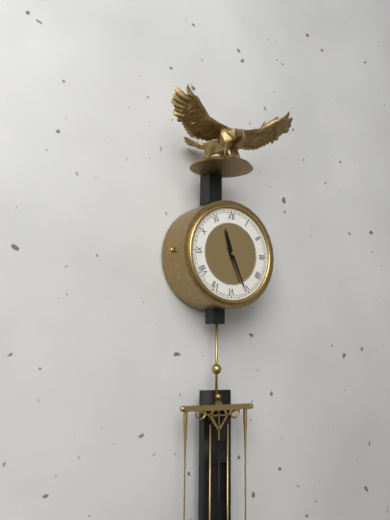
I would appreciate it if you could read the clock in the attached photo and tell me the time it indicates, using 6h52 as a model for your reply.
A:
11h26
